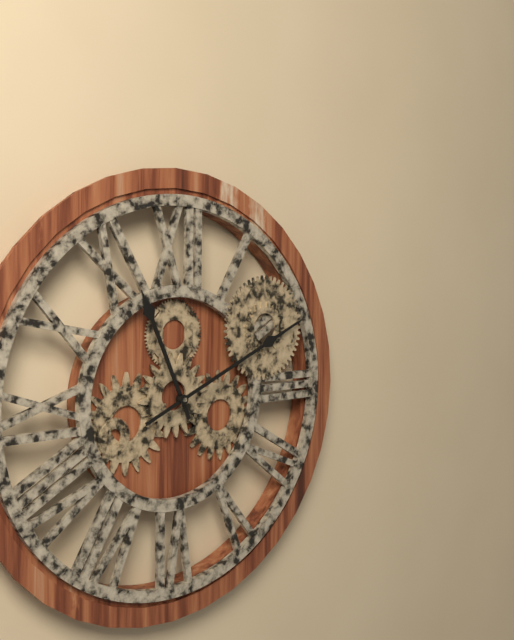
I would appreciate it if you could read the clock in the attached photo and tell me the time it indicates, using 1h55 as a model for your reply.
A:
11h11
